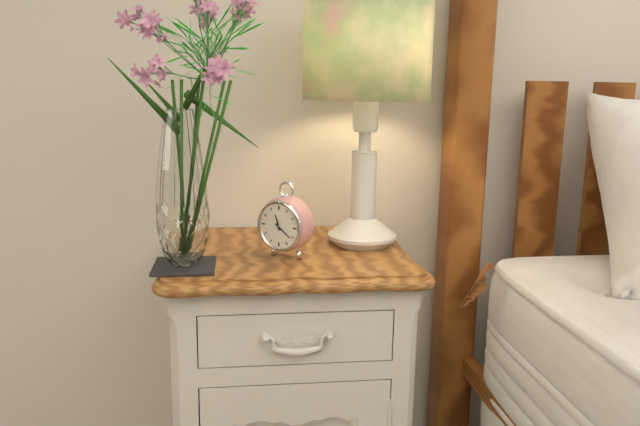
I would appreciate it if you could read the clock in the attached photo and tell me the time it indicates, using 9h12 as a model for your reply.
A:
11h21
